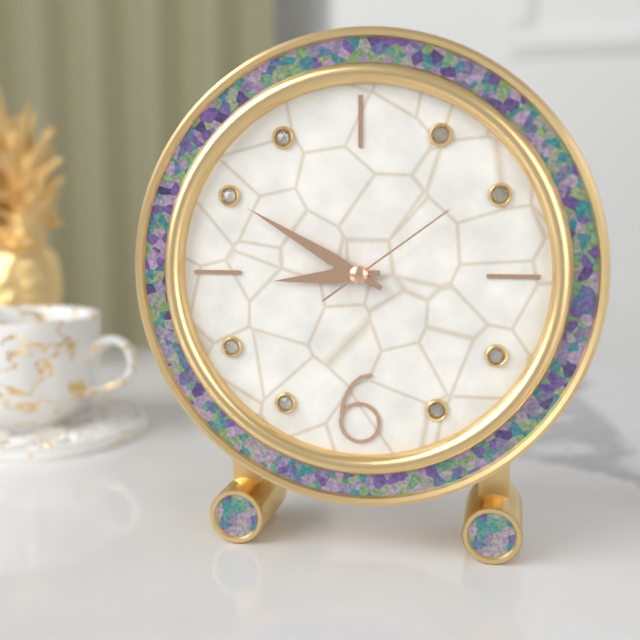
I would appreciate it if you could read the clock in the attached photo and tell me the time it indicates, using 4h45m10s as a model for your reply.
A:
8h50m09s
